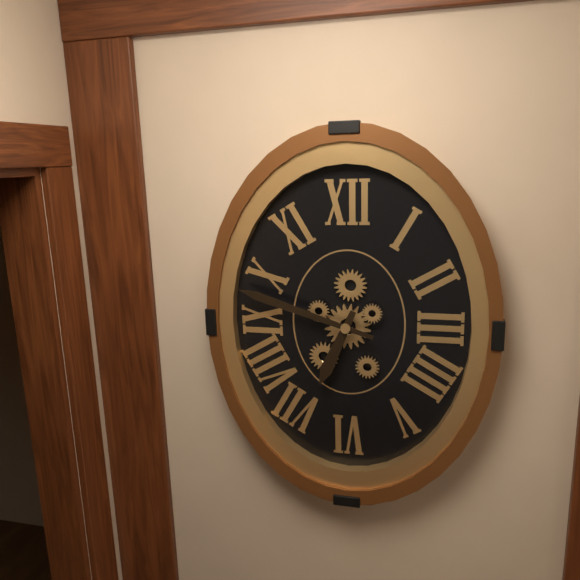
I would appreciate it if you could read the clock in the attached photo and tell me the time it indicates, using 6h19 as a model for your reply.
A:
6h48
